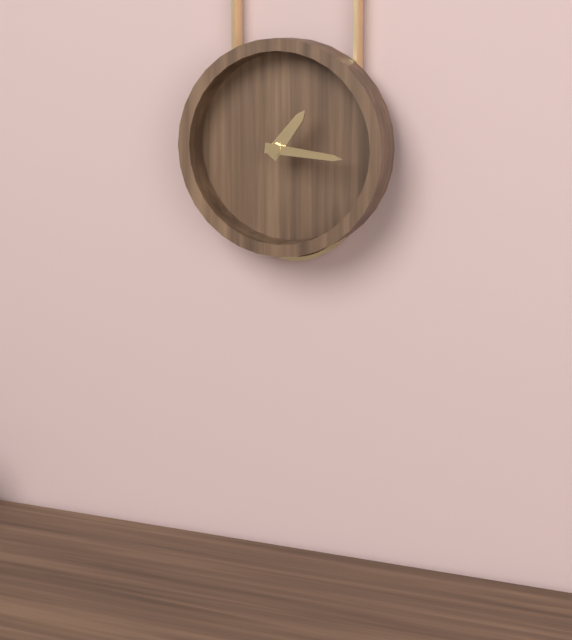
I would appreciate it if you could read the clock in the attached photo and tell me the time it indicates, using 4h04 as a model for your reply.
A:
1h16
